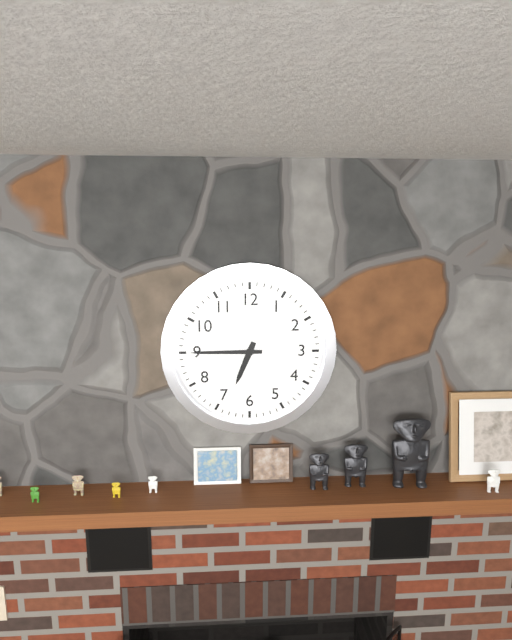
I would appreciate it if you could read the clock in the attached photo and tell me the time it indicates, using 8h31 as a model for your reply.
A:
6h45
